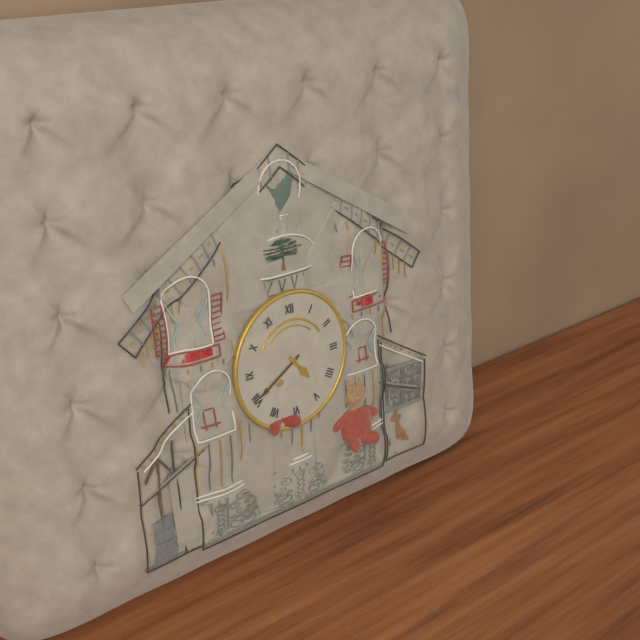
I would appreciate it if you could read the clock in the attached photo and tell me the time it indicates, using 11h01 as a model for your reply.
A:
4h40
